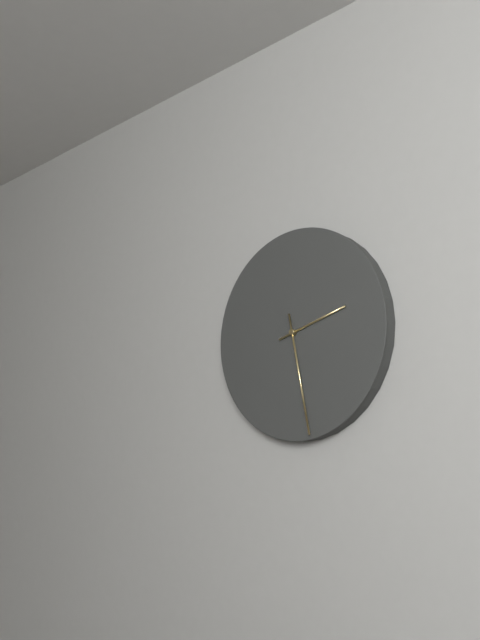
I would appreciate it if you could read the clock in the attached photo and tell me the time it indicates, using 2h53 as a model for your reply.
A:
2h28
